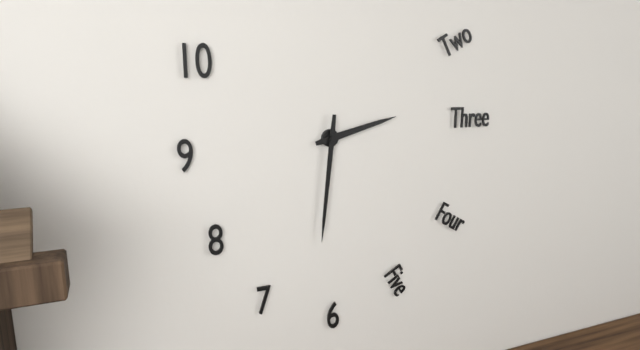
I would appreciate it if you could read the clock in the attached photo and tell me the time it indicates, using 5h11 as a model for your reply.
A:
2h31
